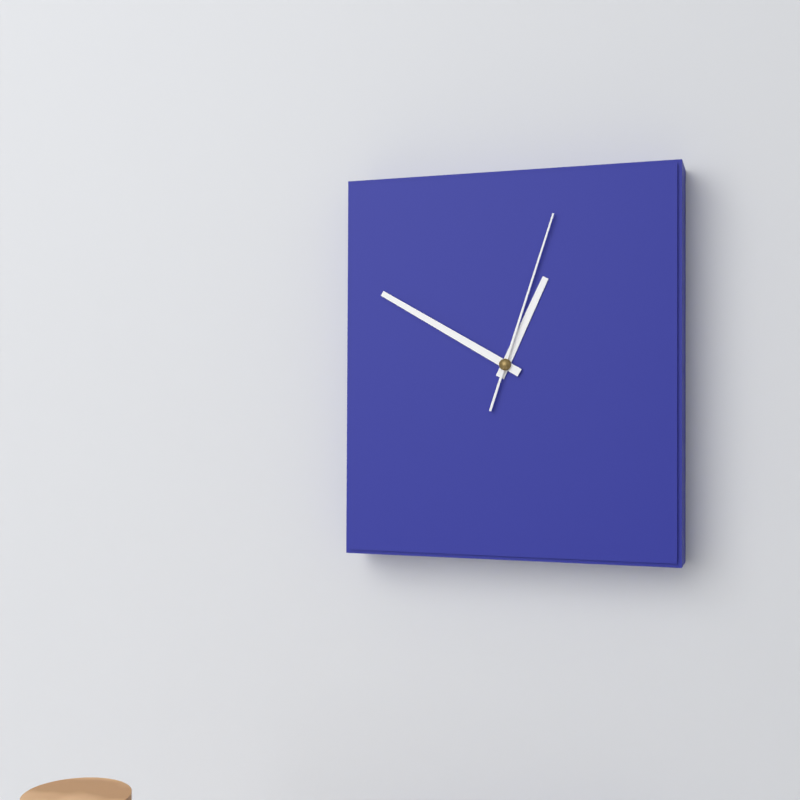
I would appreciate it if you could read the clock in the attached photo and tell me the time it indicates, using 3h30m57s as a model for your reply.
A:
12h50m03s
